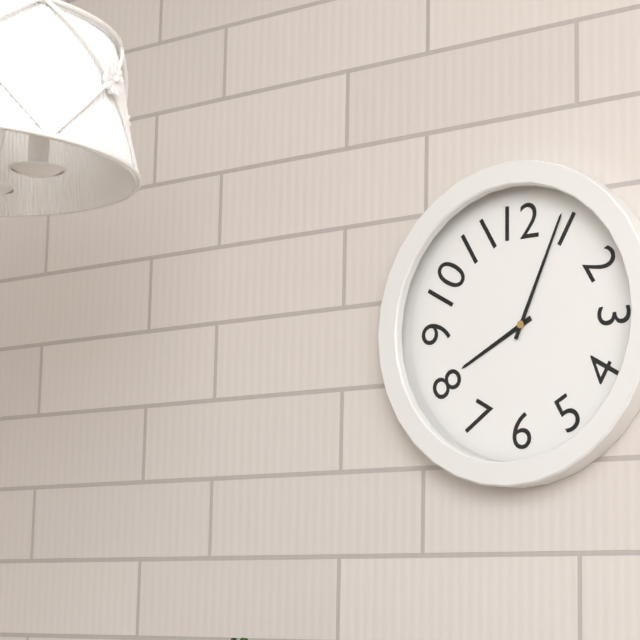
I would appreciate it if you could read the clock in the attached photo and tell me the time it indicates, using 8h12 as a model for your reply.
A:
8h04
